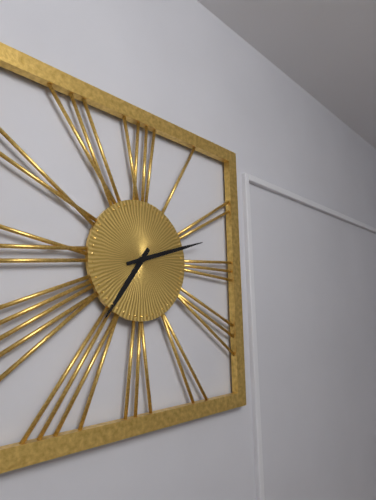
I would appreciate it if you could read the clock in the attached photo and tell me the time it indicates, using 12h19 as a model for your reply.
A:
7h12
